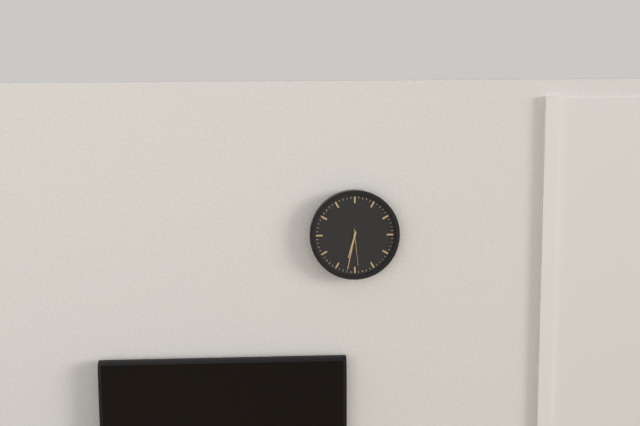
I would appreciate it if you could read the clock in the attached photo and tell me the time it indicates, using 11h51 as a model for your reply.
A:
6h32
